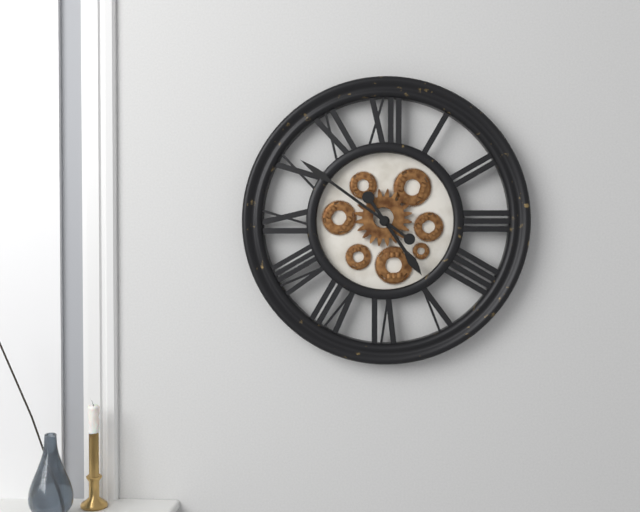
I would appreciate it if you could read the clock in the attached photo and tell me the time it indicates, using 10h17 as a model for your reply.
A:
4h51
